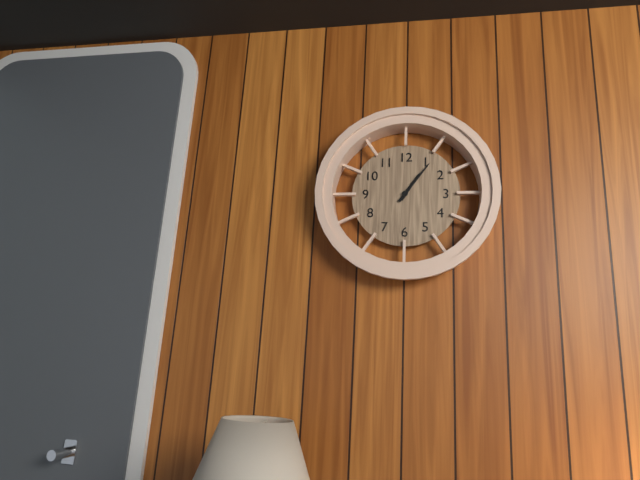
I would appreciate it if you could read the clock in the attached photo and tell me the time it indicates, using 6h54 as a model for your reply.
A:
1h06
